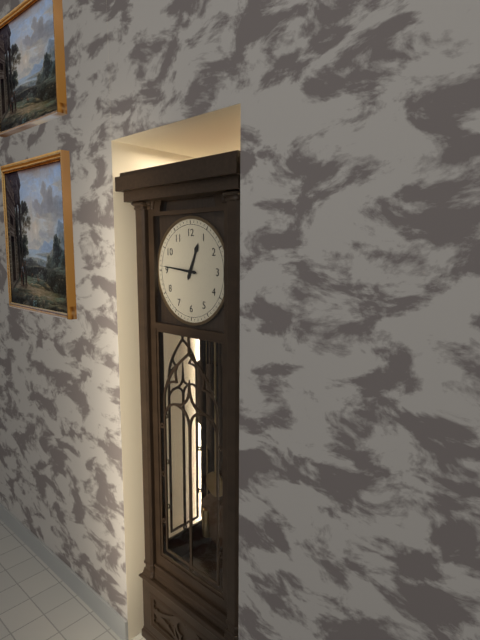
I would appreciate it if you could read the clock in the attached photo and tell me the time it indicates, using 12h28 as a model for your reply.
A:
12h46
